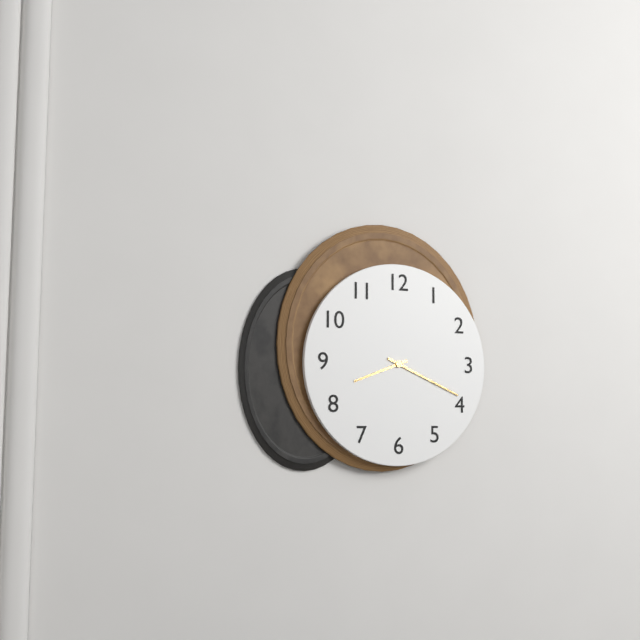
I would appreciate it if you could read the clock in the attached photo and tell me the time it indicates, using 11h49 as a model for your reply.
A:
8h19
